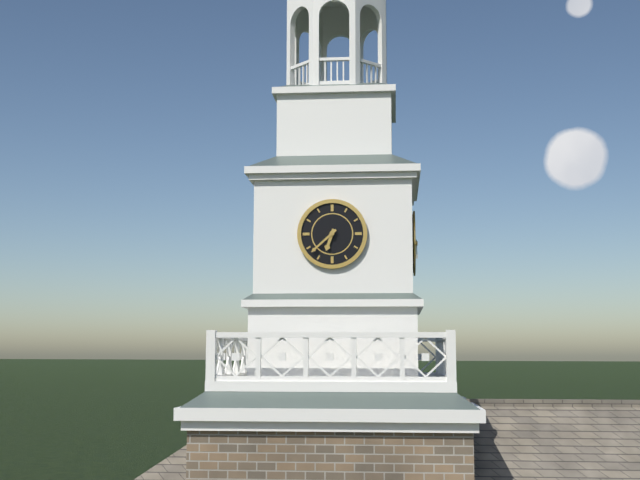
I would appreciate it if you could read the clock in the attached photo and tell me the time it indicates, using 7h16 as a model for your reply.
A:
6h38
